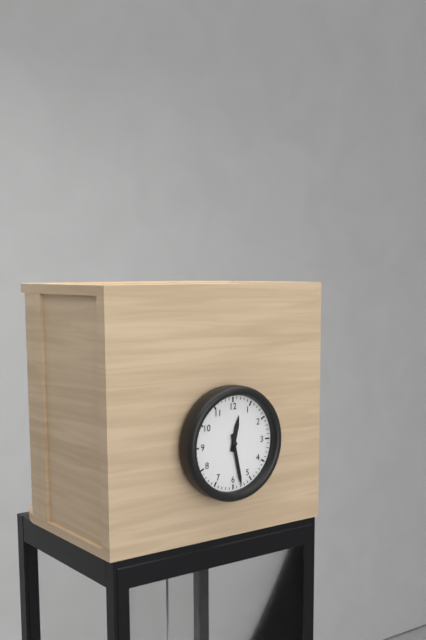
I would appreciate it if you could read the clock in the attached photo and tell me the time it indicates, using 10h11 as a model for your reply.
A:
12h28
